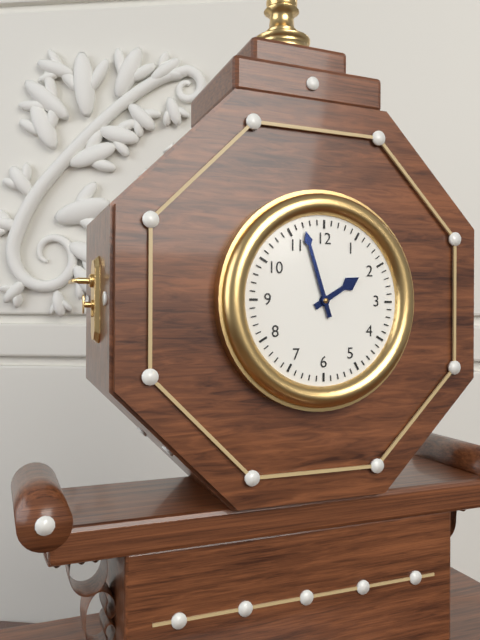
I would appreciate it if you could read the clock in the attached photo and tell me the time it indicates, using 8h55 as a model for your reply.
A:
1h57
